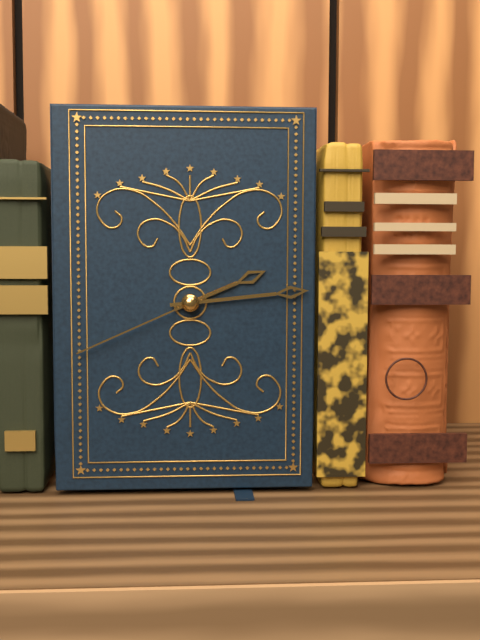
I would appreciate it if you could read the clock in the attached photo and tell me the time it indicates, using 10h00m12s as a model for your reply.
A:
2h14m41s
